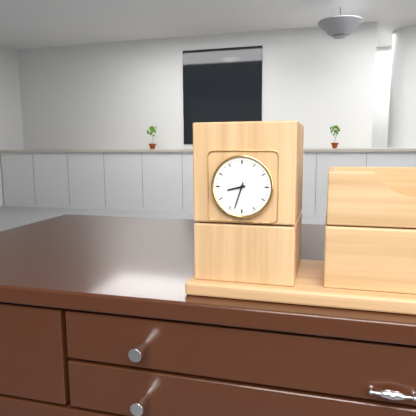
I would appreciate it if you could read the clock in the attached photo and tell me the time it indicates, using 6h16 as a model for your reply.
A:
8h33
